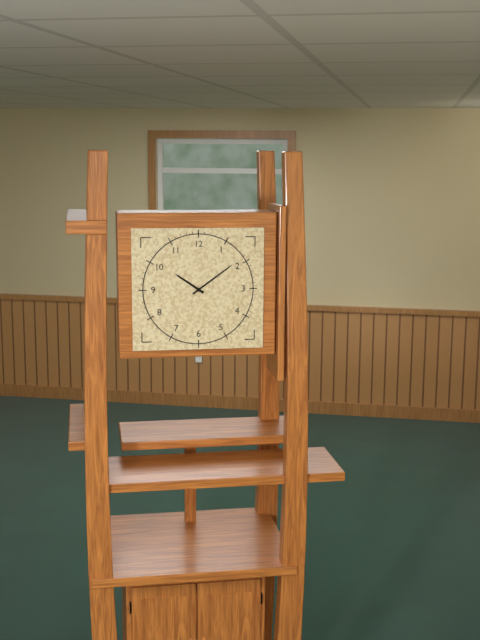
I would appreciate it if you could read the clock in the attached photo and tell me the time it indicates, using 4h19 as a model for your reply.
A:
10h09
